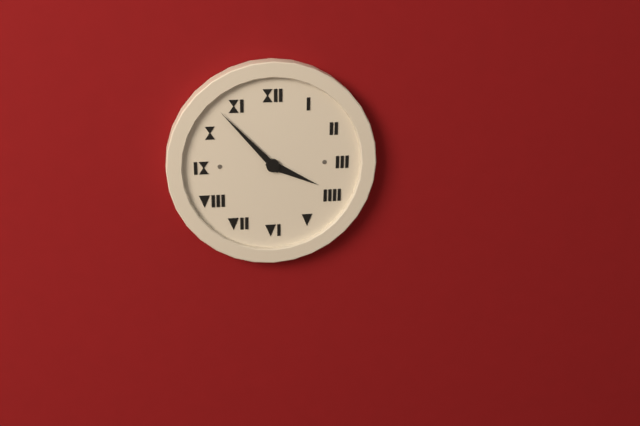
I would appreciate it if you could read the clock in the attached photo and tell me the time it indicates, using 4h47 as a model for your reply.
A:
3h53
